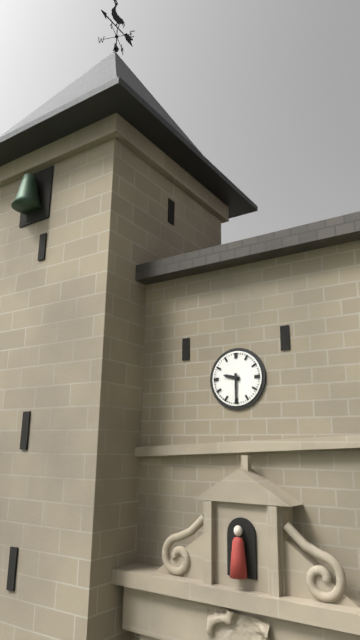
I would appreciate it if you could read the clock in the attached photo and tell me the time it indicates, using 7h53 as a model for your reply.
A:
9h30
